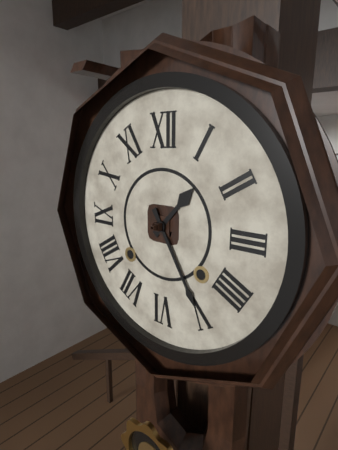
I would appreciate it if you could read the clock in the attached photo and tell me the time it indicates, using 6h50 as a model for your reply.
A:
1h25
